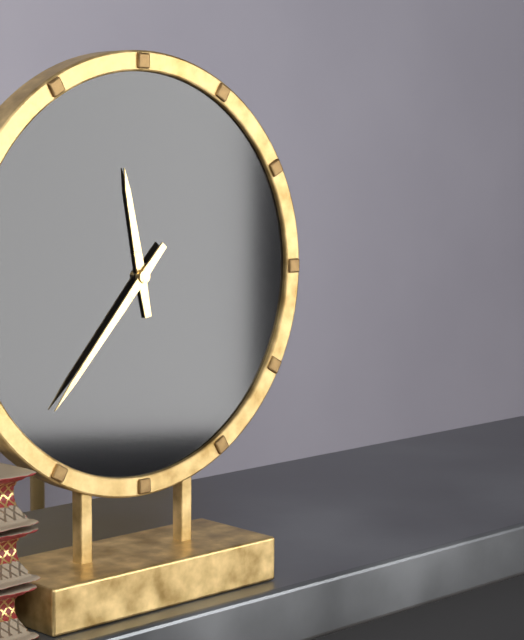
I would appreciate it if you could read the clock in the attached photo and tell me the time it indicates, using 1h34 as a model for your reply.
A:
11h37
